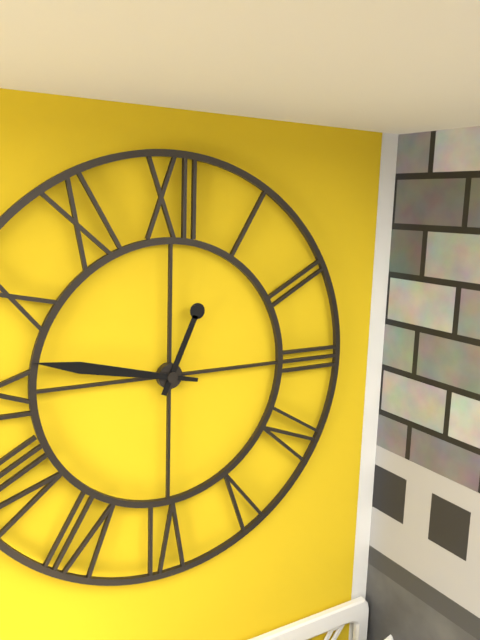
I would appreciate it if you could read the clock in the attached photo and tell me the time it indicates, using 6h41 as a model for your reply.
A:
12h47
